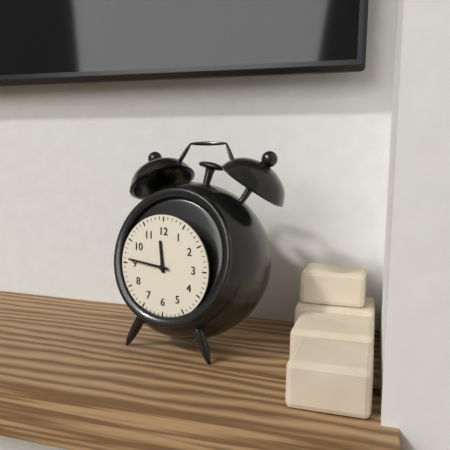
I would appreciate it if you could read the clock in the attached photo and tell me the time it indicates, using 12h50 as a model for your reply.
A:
11h46
